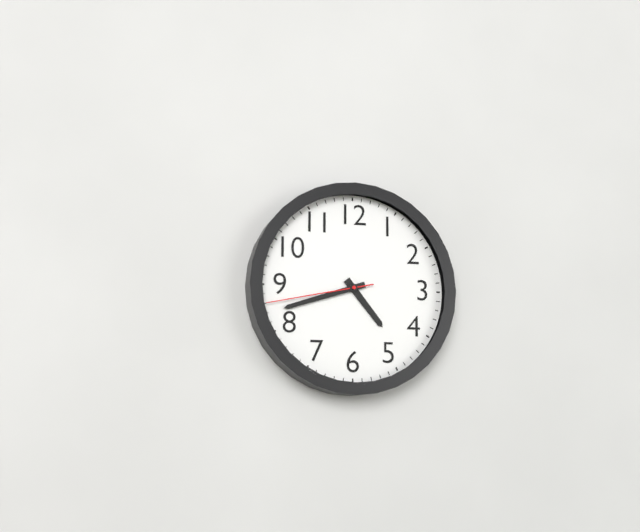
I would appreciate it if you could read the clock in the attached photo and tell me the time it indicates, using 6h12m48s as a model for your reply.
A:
4h42m43s
